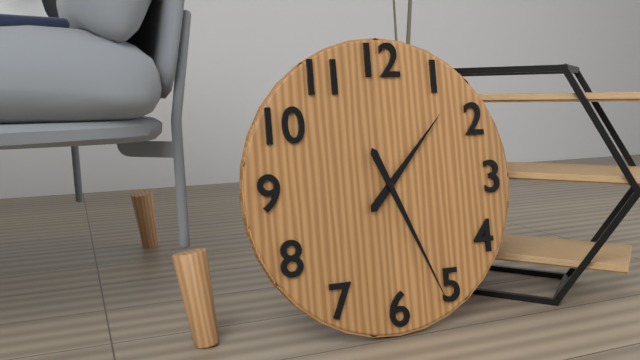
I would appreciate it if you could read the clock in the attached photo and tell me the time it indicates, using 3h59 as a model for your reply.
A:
1h26
